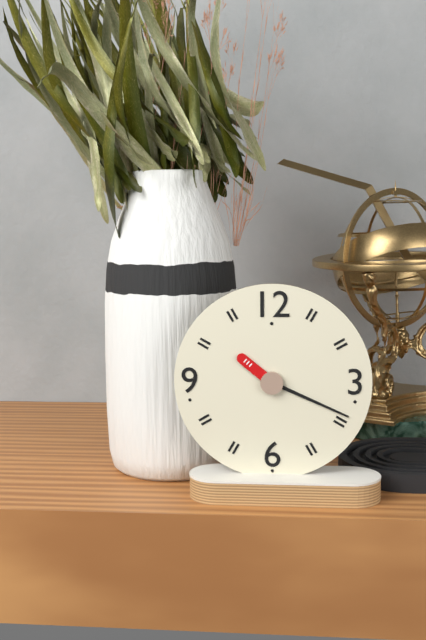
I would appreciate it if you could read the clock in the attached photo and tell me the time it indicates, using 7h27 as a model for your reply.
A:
10h19
